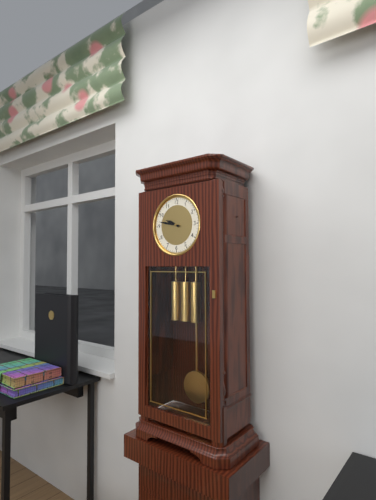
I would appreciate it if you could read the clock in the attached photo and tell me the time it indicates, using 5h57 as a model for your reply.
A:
9h47
